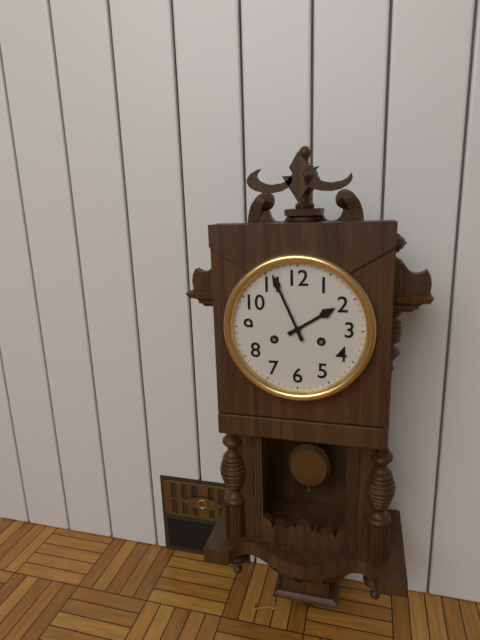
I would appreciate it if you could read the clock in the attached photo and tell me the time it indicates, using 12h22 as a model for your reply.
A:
1h56
